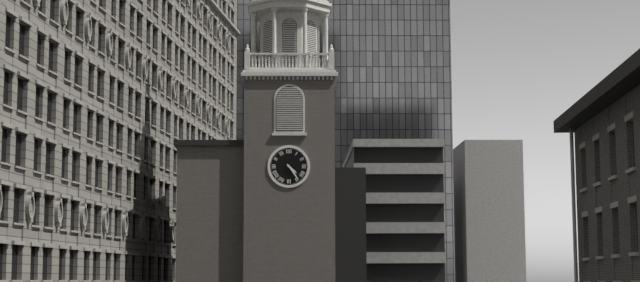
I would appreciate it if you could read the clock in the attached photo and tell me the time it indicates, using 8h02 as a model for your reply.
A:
4h24
